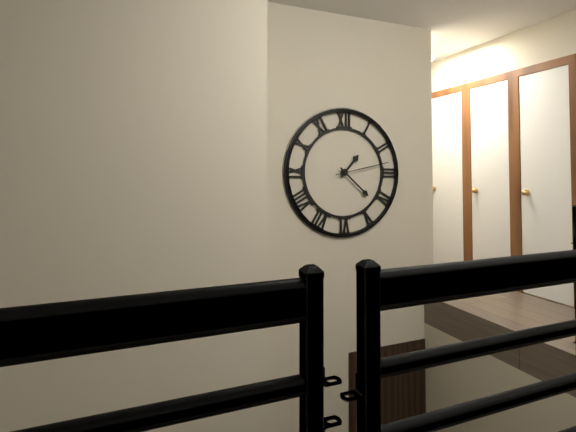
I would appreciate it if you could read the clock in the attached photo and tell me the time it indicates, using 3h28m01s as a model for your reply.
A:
1h22m13s
